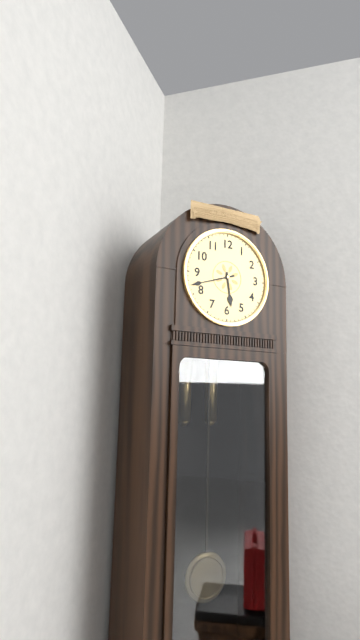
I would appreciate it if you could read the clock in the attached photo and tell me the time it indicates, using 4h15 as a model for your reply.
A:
5h42
